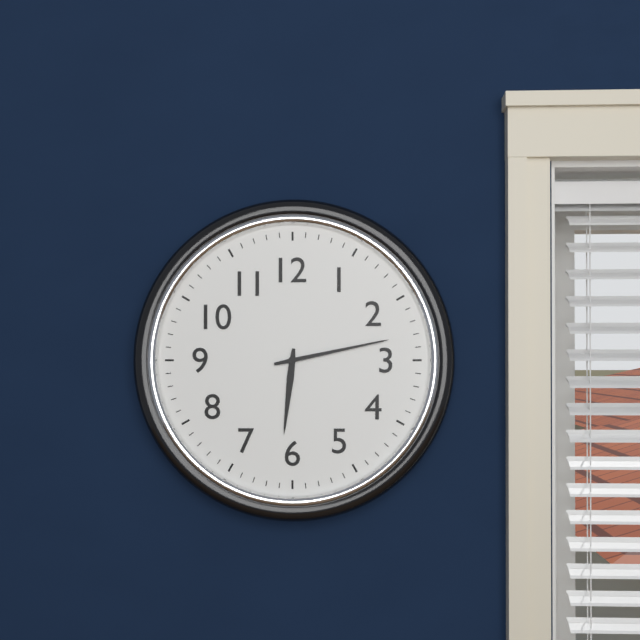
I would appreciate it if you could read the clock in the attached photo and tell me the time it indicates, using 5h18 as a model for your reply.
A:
6h13
